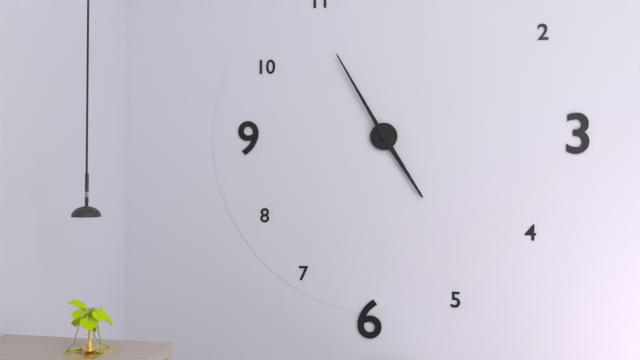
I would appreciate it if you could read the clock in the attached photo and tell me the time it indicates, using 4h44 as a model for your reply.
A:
4h55
